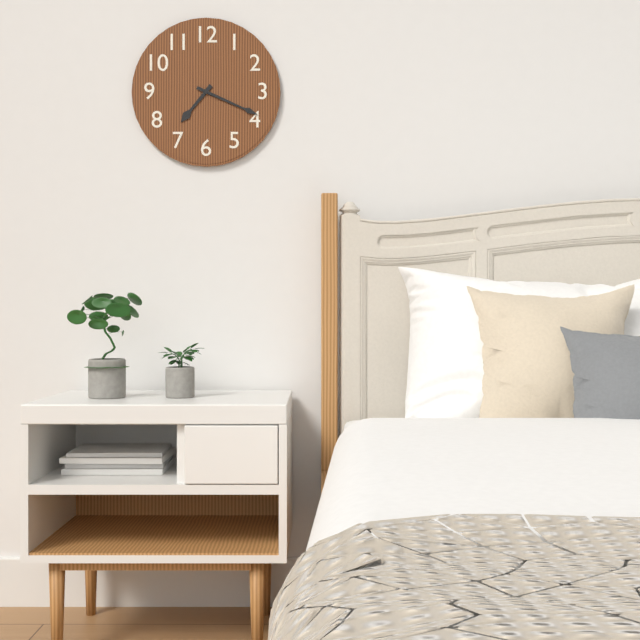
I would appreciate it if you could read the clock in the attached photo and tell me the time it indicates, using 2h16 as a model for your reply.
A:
7h19
